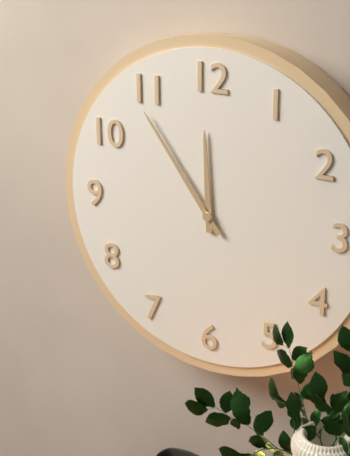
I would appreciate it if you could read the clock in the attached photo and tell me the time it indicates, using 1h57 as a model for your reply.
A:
11h54
